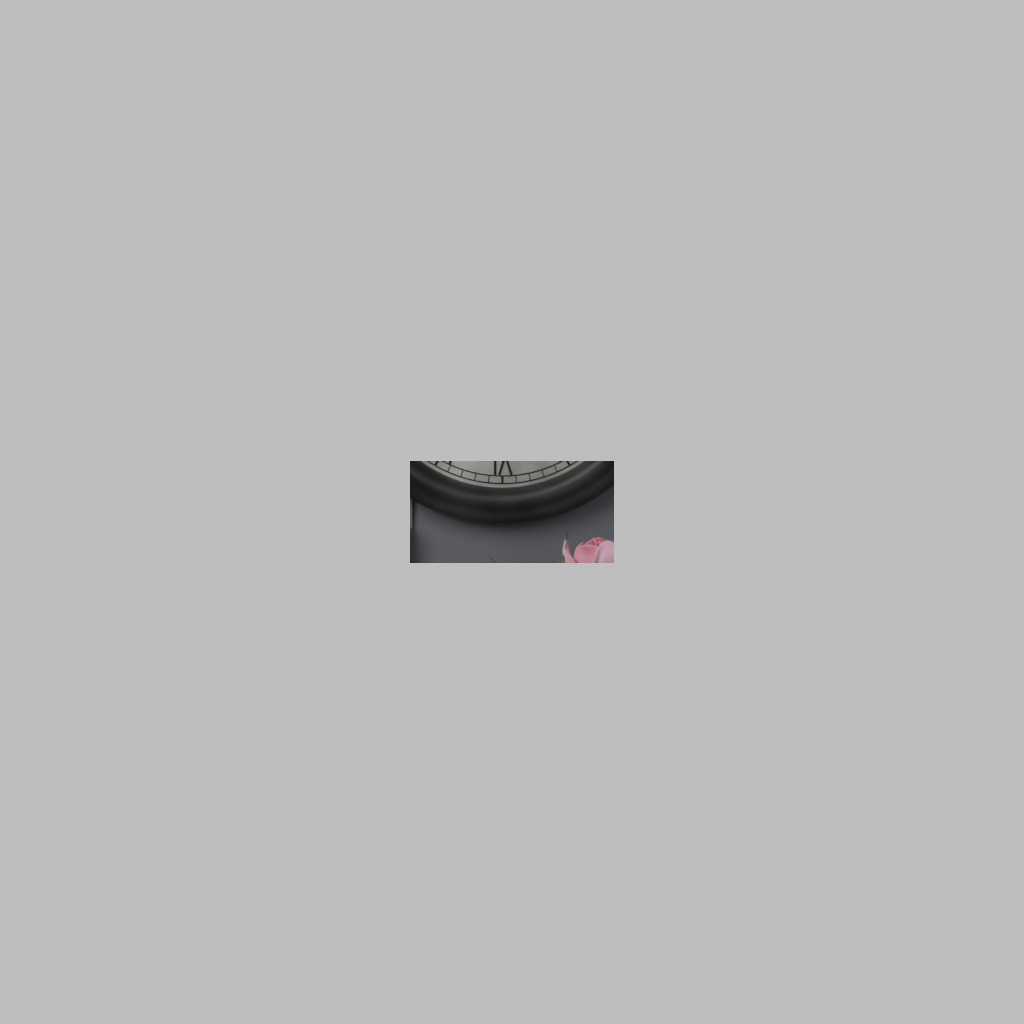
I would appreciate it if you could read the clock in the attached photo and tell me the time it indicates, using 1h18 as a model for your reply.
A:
12h39
